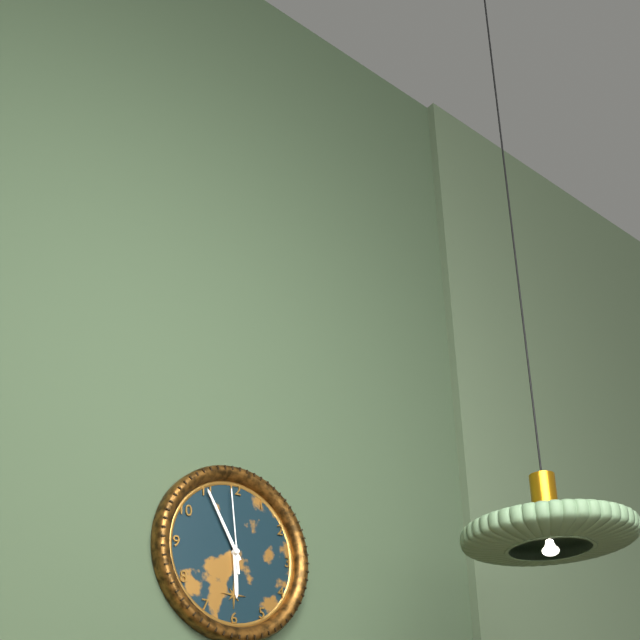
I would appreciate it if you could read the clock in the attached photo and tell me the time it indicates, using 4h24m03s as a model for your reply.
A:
5h55m59s
